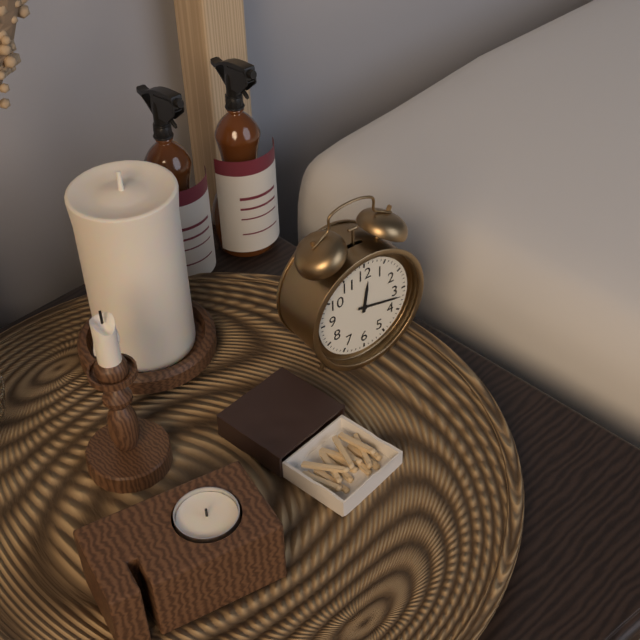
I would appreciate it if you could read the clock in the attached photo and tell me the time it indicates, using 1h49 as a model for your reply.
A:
12h17
